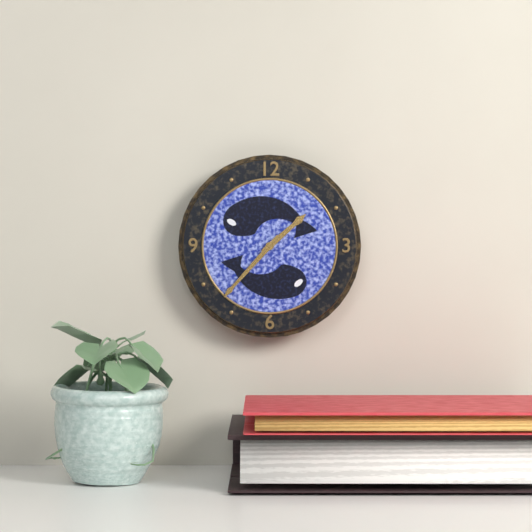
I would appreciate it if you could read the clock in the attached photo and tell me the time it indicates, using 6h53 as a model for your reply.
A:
1h37
